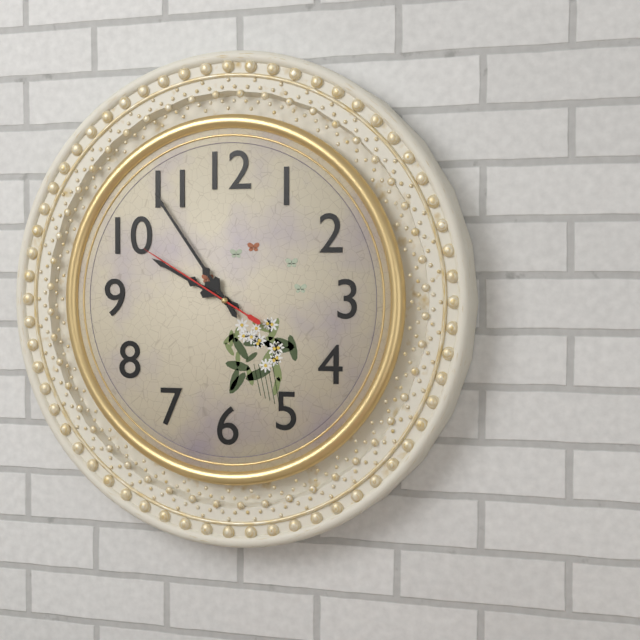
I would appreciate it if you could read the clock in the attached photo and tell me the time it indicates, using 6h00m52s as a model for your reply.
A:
9h54m50s
